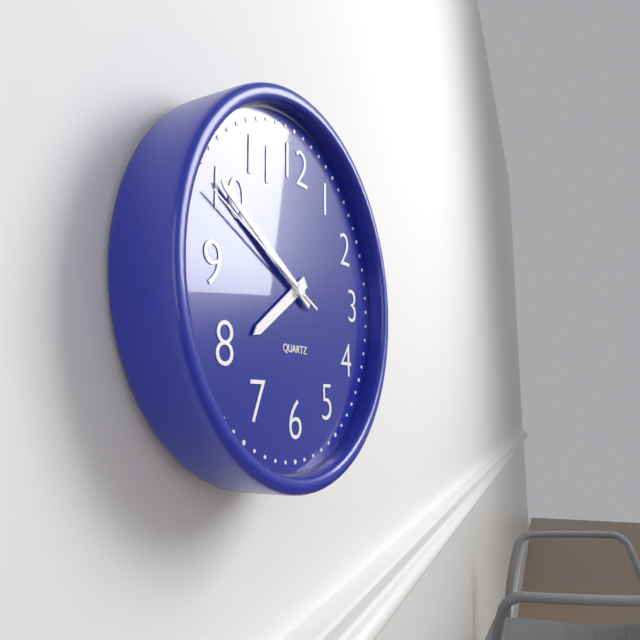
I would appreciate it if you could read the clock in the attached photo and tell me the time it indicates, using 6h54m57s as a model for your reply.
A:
7h50m49s
